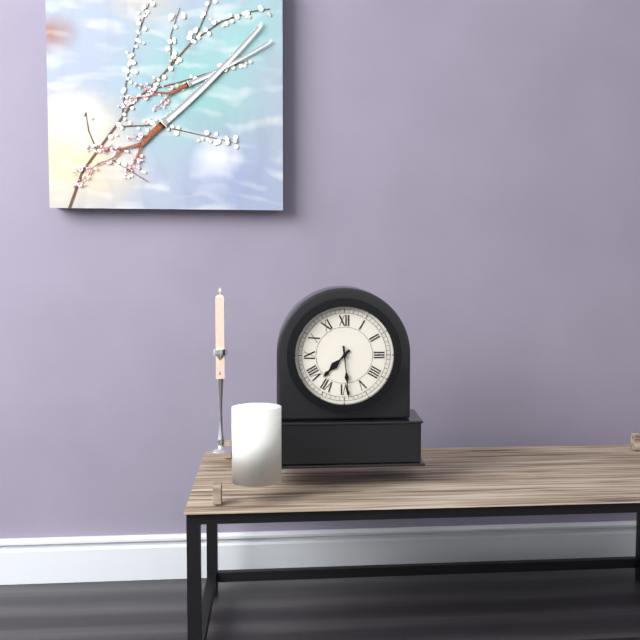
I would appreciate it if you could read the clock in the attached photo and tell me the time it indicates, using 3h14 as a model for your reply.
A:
7h29
